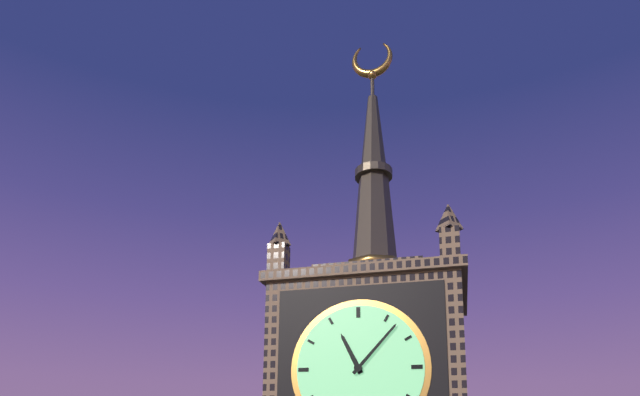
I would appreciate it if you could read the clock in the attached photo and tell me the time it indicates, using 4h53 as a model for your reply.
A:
11h07
